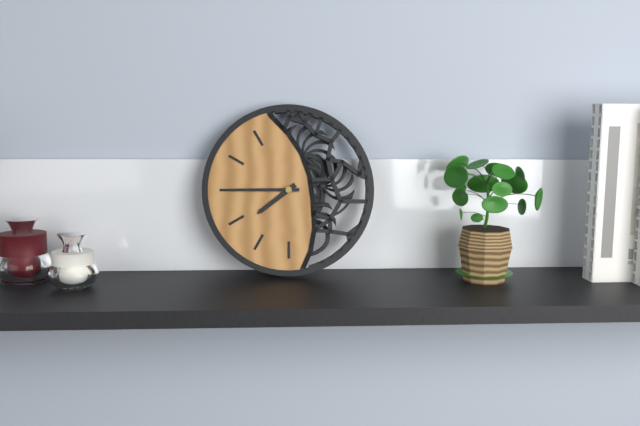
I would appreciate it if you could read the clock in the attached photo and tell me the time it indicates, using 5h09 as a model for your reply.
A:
7h45
